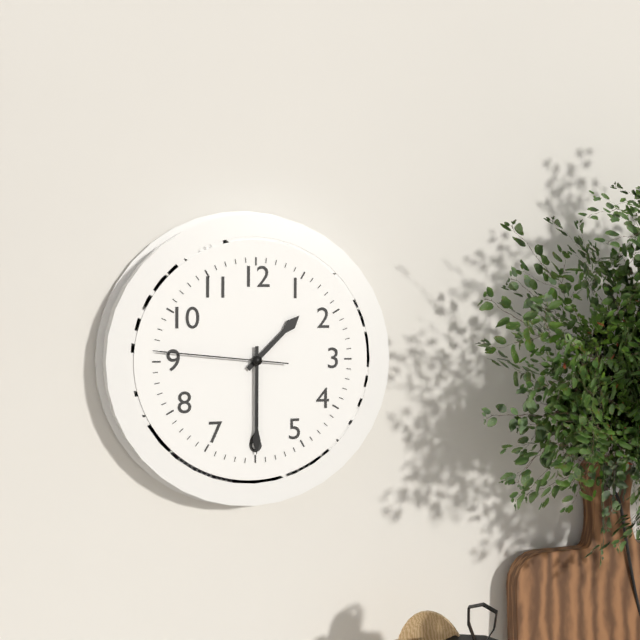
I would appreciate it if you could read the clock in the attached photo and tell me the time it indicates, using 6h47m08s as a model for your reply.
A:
1h30m46s
